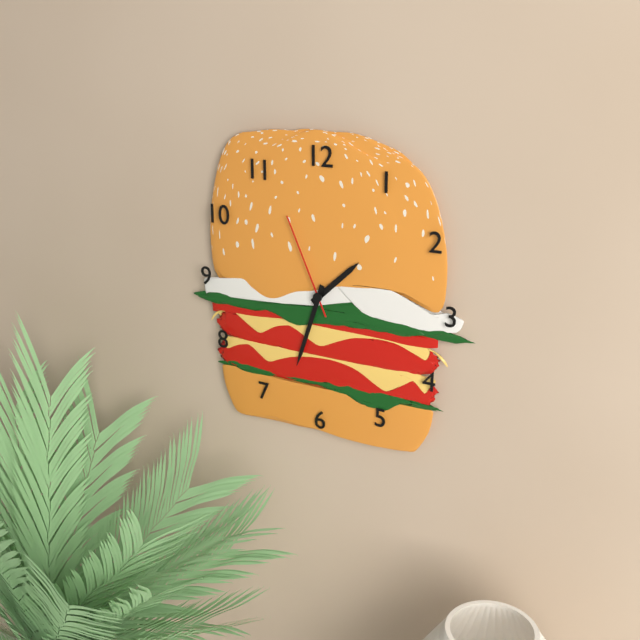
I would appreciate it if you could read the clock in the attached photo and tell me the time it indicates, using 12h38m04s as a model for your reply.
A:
1h33m56s
